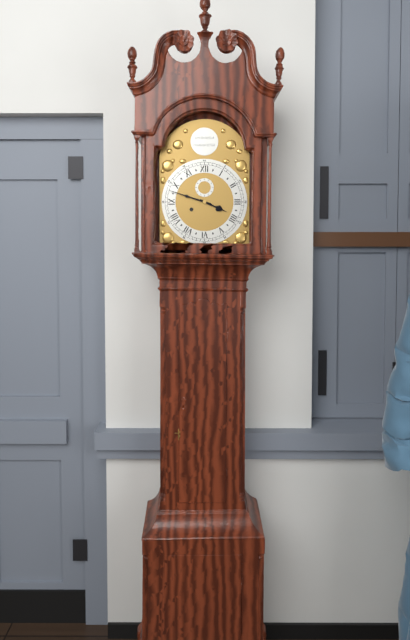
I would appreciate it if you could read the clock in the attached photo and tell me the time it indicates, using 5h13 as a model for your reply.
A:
3h48
